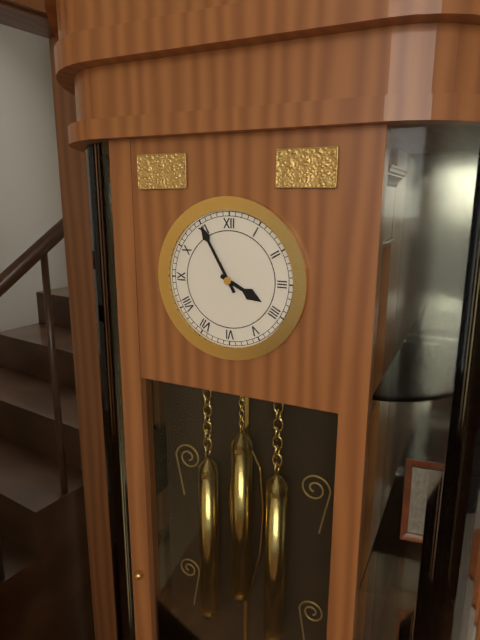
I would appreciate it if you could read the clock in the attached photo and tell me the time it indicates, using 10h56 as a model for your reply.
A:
3h55
